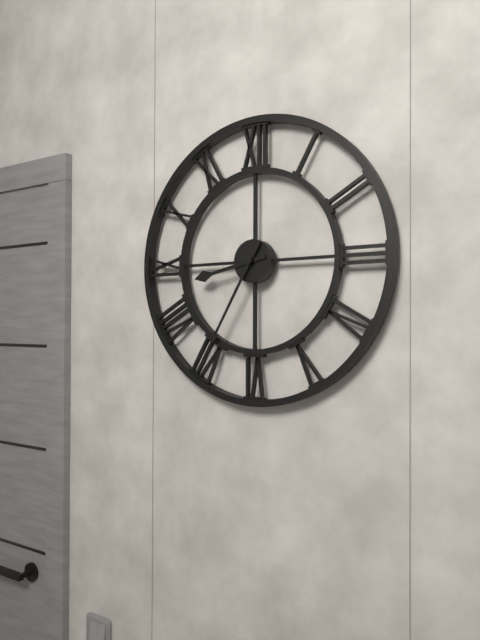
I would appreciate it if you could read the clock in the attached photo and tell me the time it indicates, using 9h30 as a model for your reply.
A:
8h35
